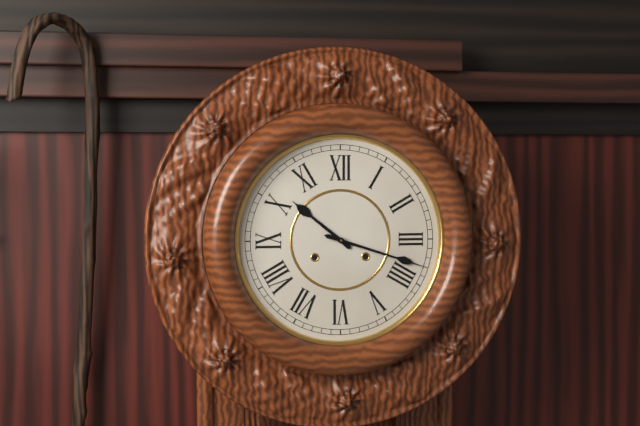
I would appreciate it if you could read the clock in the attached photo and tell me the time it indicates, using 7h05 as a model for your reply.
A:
10h18
